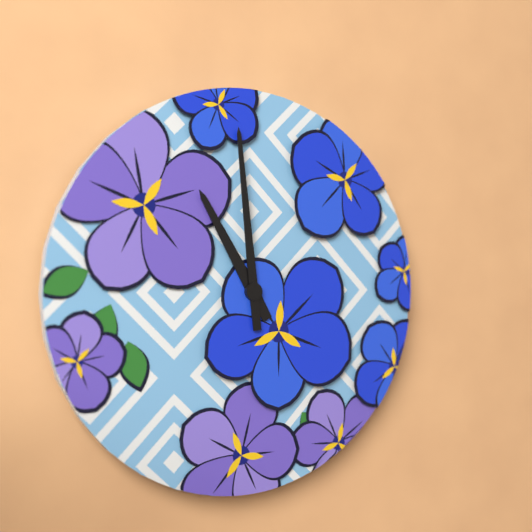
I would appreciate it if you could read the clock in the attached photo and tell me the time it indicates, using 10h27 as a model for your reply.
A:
10h59
